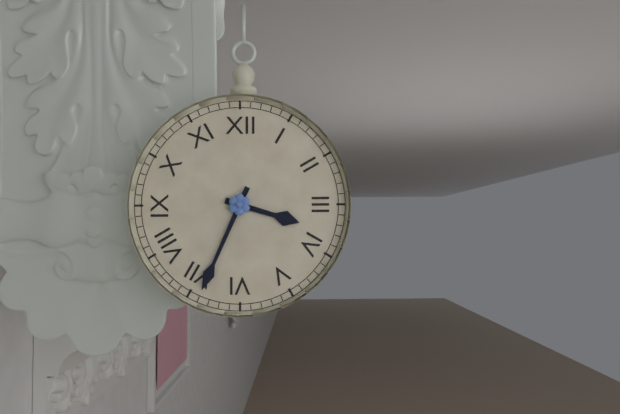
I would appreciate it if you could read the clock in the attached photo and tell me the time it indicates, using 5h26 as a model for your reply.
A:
3h34
